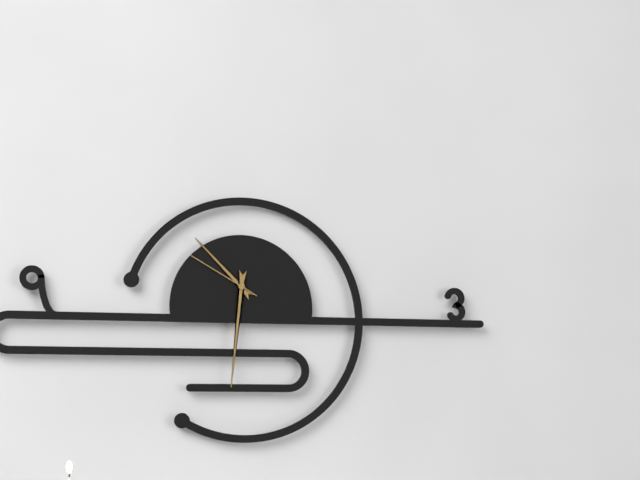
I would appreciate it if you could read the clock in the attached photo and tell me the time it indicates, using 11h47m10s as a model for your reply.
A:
10h31m50s
